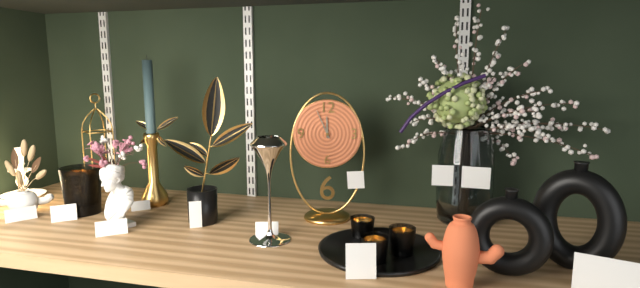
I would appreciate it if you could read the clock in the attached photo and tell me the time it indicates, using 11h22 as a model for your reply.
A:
11h56
